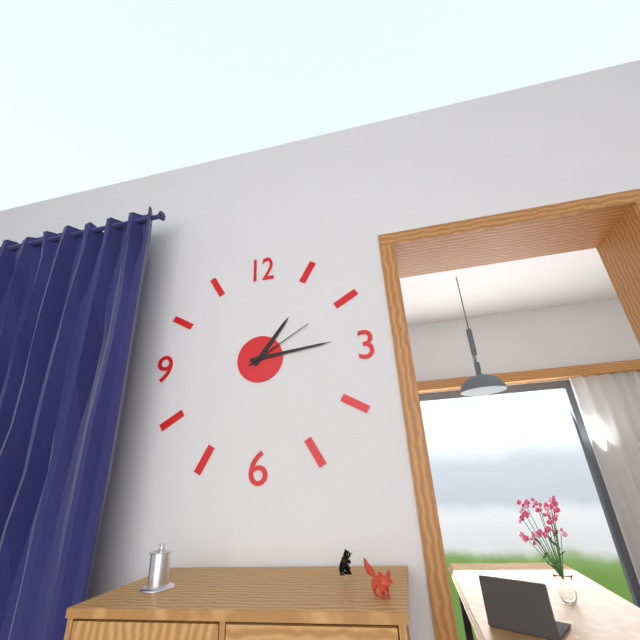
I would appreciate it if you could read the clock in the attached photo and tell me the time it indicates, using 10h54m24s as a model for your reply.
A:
1h14m10s
